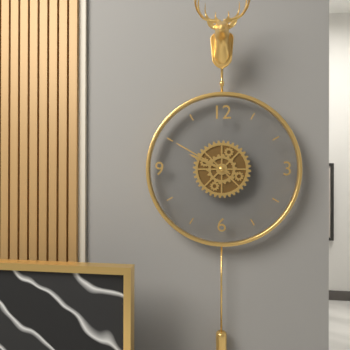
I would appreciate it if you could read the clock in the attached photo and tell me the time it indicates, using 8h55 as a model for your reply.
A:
9h50
